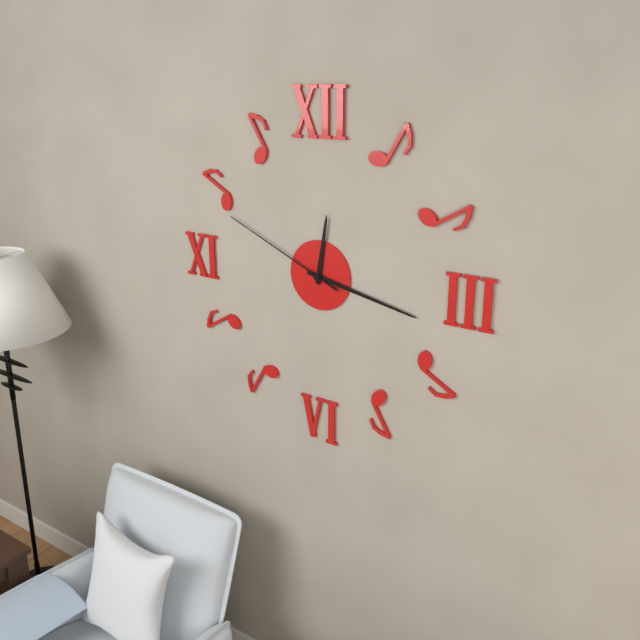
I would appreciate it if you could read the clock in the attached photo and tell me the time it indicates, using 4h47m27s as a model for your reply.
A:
12h17m49s
